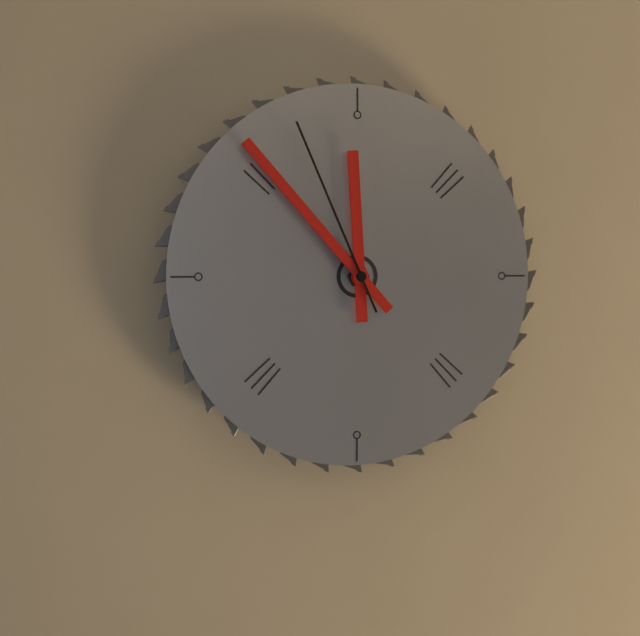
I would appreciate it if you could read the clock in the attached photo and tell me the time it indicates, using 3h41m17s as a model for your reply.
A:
11h53m56s
